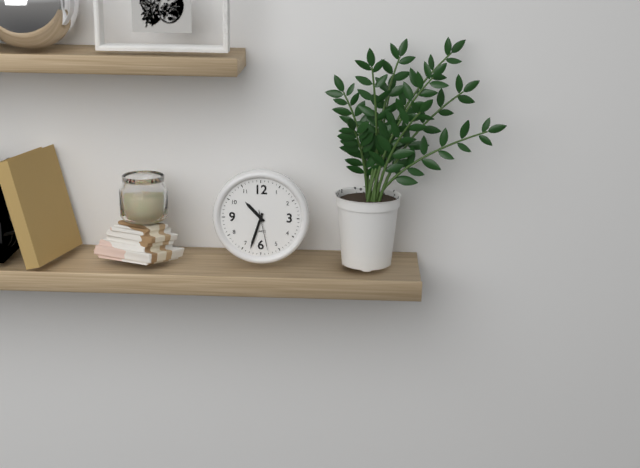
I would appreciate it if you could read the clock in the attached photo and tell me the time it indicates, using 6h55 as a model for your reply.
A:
10h33
